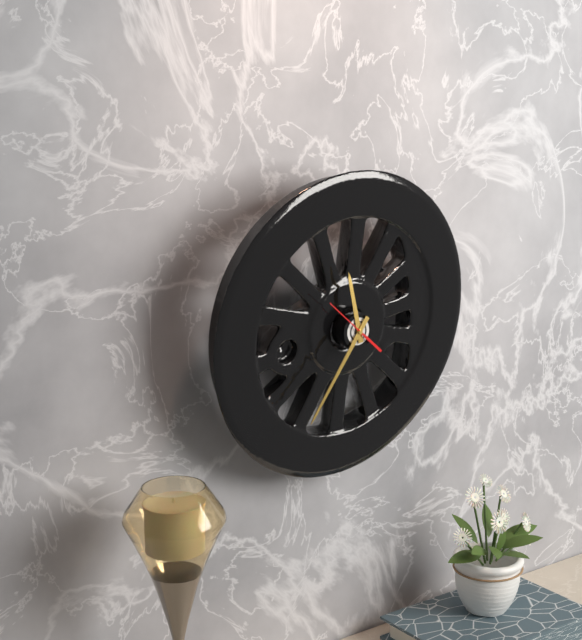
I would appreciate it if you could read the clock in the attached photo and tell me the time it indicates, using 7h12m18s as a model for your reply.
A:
11h36m52s
